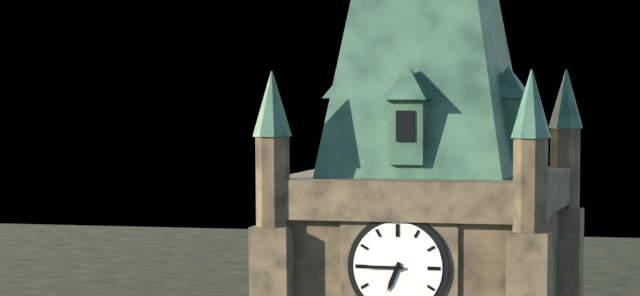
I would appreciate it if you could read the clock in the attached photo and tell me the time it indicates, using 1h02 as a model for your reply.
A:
6h45
